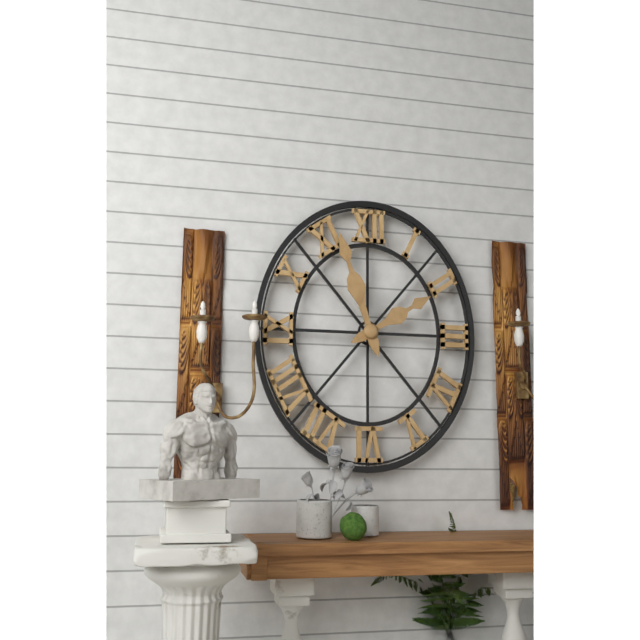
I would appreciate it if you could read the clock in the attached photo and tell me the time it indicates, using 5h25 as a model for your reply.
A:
1h57
